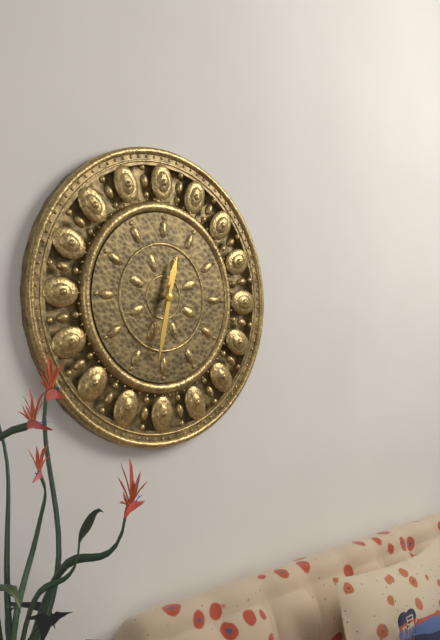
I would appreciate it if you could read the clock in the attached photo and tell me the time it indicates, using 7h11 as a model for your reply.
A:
12h32
